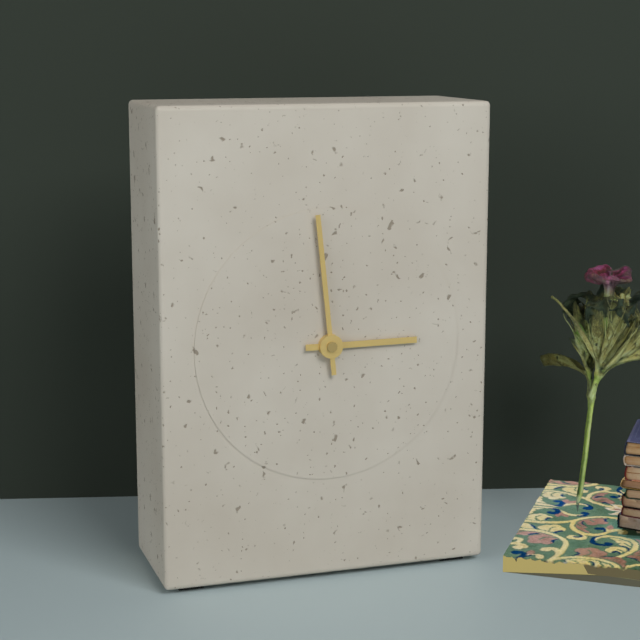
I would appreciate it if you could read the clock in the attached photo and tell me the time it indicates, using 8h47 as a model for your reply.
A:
2h59
